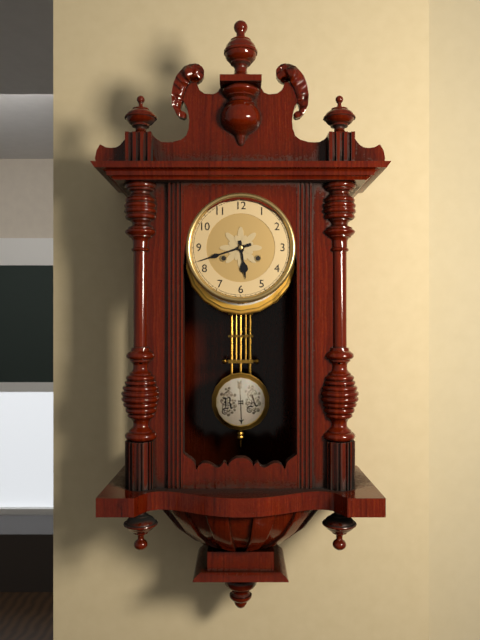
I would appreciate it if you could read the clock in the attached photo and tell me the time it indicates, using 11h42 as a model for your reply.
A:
5h42
